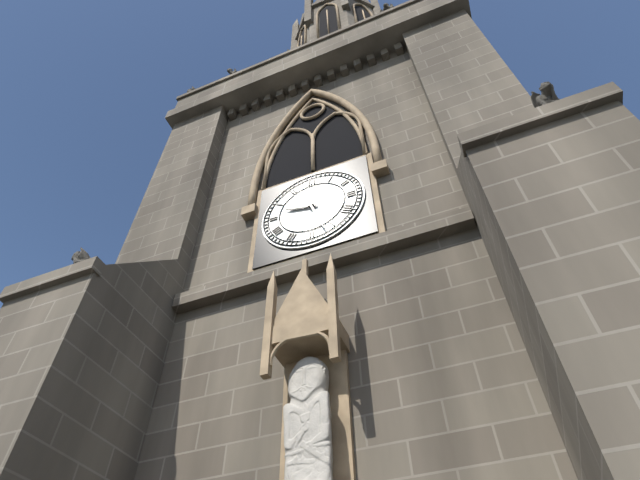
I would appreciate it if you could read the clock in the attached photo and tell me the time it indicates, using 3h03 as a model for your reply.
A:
9h27
